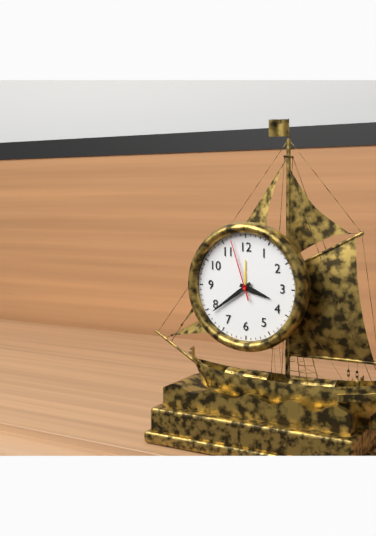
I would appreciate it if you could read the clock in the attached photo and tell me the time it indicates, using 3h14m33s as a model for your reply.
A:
3h39m57s
